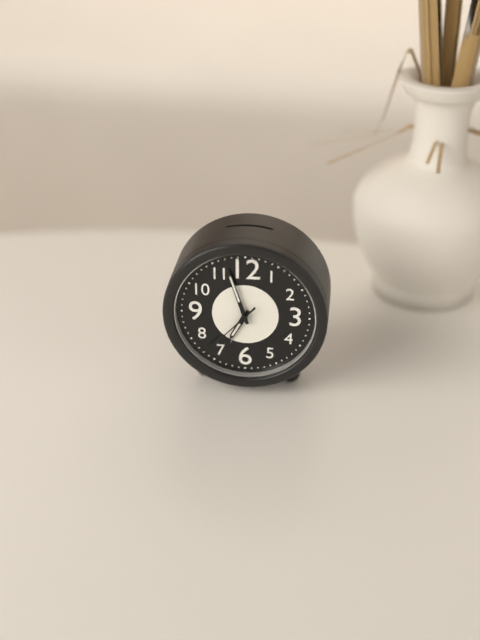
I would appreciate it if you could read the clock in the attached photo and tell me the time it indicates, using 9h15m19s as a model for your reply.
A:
6h57m37s
